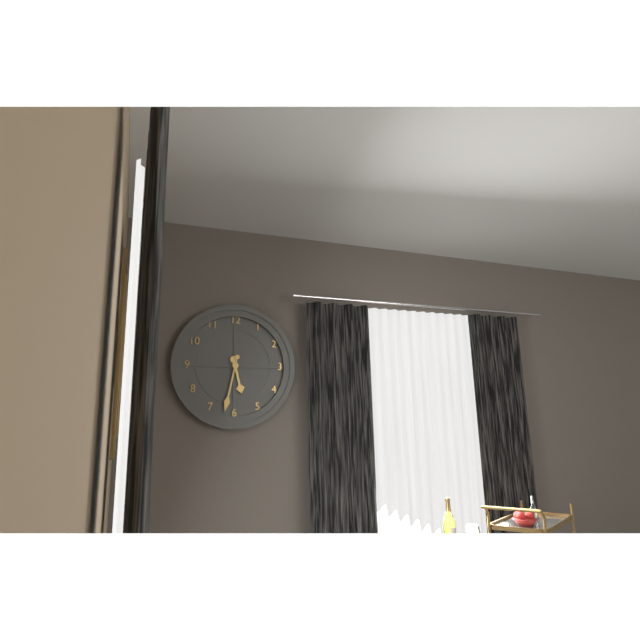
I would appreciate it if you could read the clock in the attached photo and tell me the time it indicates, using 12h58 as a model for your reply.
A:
5h32
